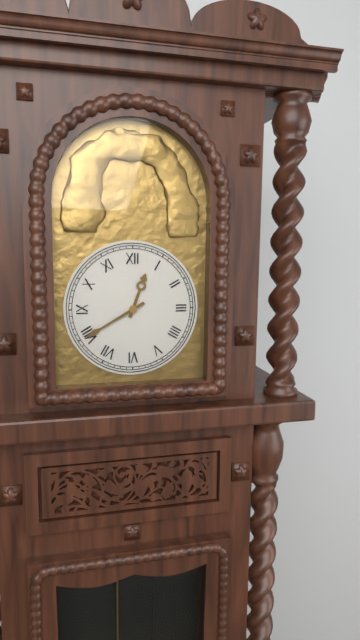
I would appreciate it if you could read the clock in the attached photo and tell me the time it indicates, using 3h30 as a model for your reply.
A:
12h40
